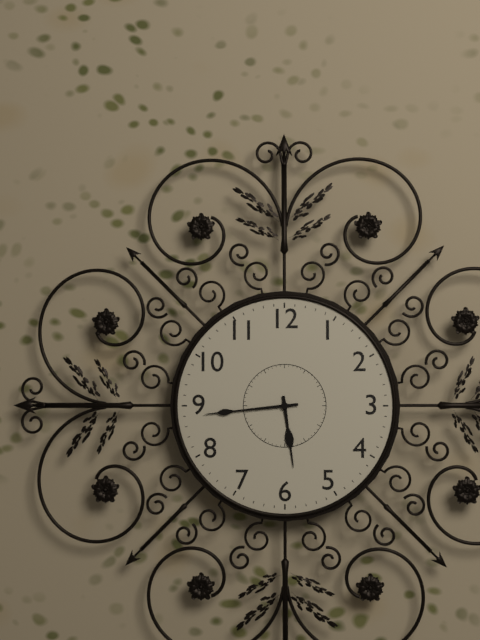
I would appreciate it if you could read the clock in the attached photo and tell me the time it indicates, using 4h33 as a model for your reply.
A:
5h44
